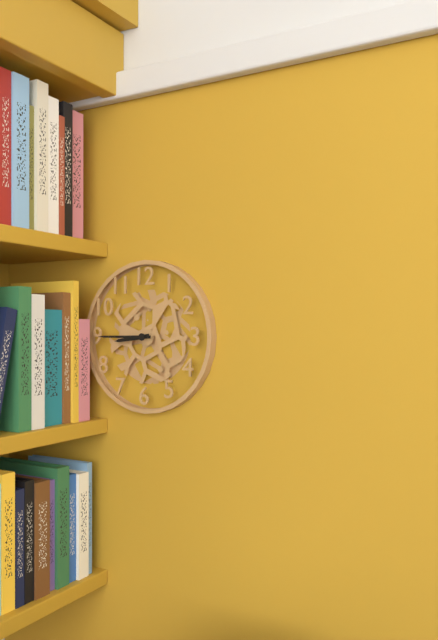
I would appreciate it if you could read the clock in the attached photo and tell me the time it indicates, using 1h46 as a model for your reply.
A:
8h45
